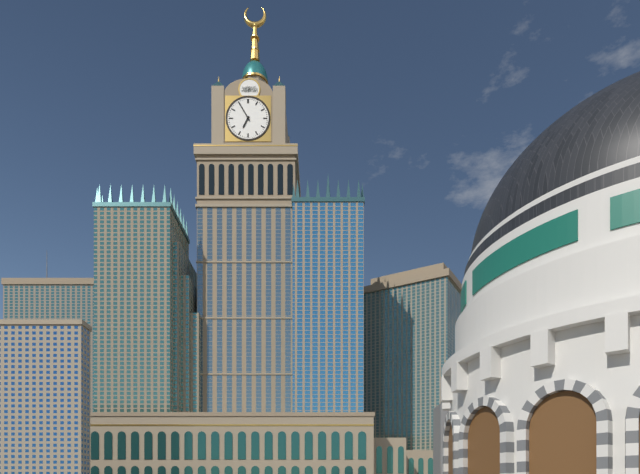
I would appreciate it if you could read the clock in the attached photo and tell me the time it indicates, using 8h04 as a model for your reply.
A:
6h55
